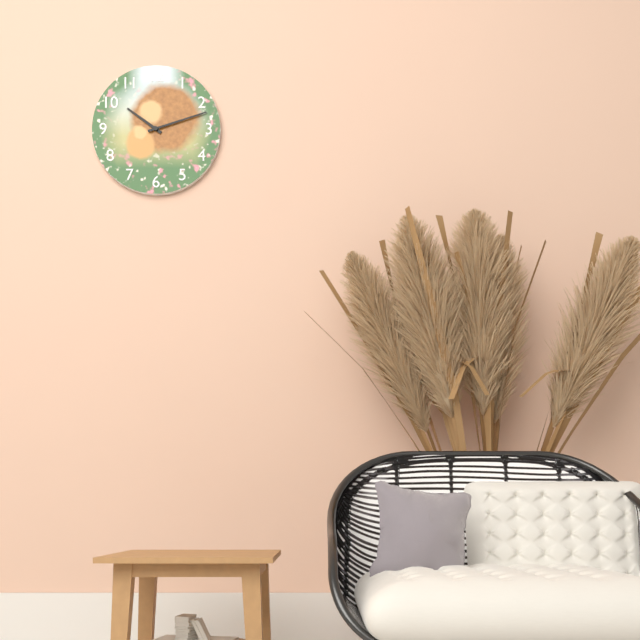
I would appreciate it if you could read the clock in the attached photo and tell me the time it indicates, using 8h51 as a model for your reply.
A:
10h12
